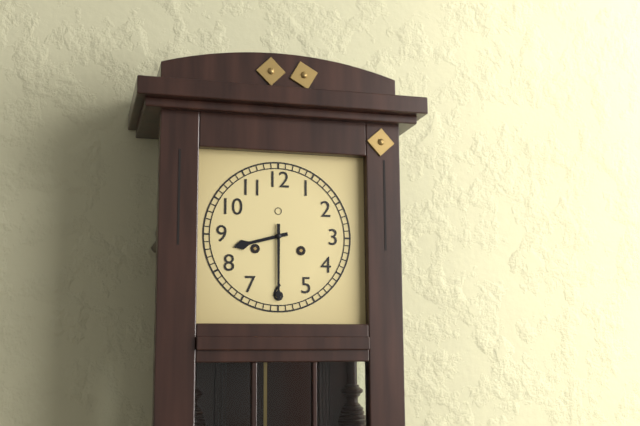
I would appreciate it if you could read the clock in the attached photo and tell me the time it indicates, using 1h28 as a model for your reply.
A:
8h30
